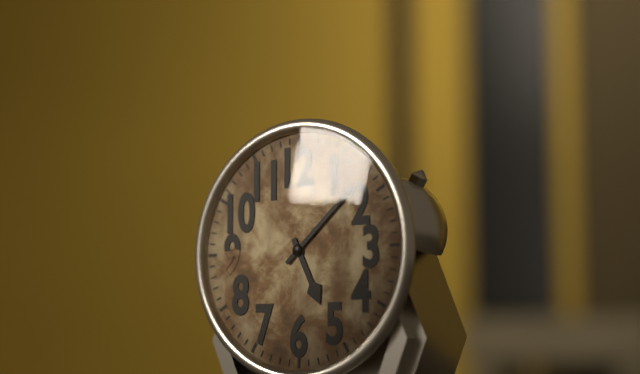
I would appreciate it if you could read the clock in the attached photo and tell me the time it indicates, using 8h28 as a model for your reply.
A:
5h08
